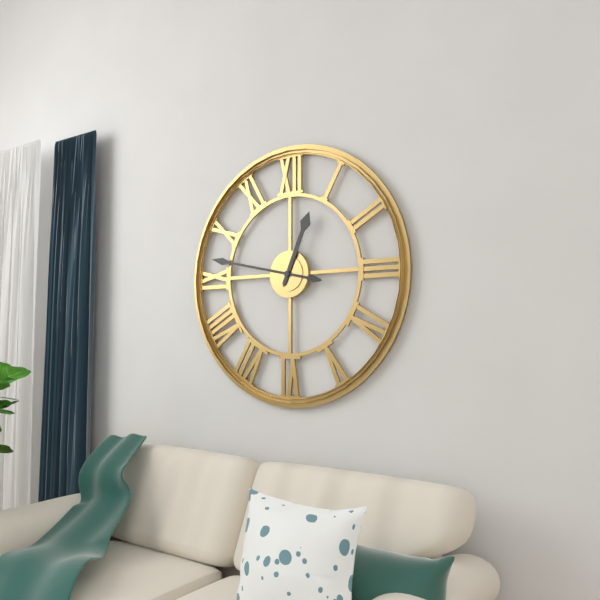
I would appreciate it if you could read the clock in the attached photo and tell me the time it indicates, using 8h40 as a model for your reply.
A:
12h47
